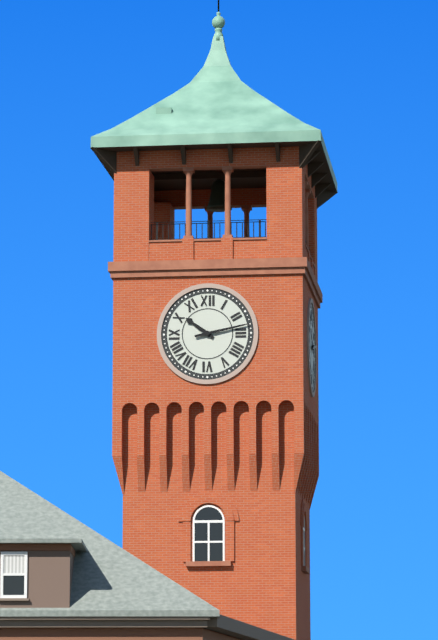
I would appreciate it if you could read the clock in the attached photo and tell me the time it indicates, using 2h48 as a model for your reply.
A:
10h13
